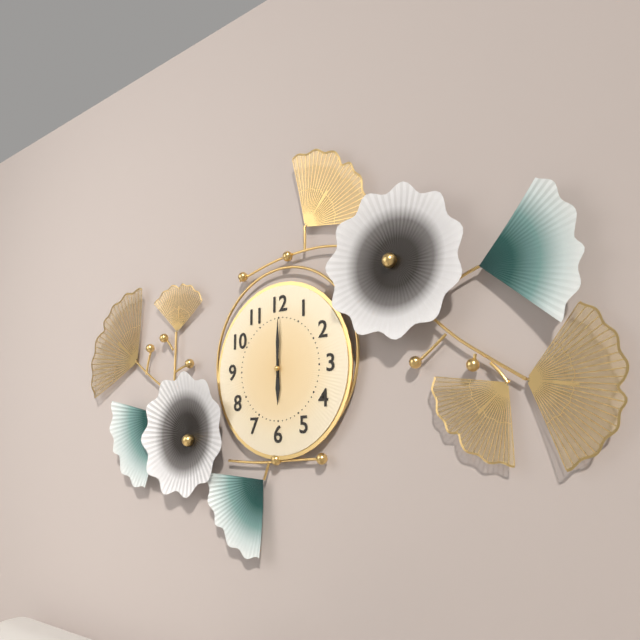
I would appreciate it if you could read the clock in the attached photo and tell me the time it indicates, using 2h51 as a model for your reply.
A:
6h00
